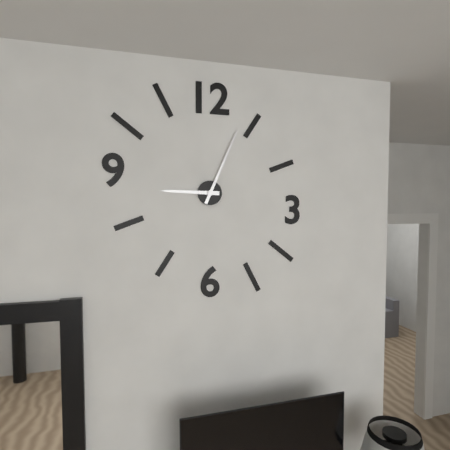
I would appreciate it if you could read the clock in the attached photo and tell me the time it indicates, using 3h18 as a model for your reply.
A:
9h04
